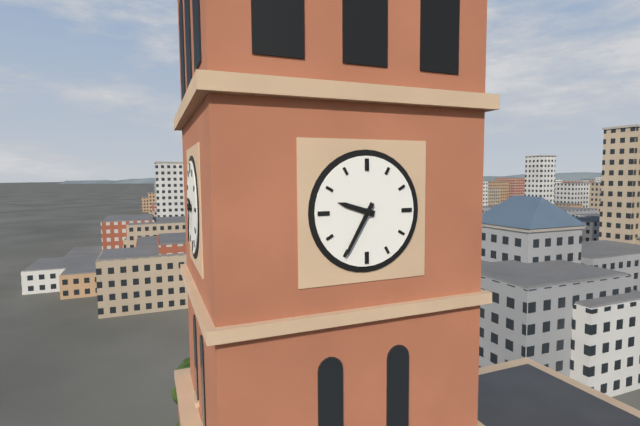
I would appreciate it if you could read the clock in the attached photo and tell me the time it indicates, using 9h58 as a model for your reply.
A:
9h35
